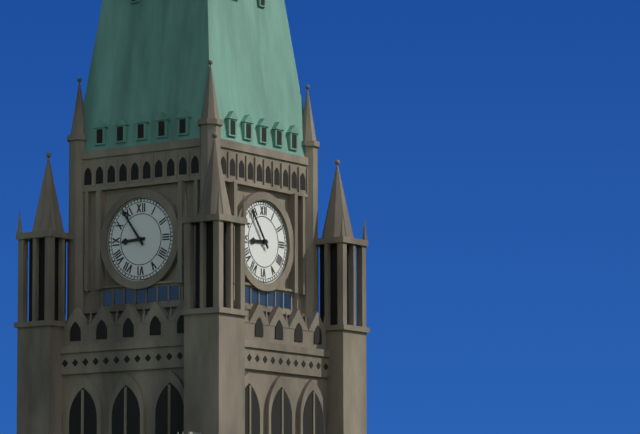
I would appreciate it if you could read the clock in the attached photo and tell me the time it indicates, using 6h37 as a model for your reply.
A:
8h54
